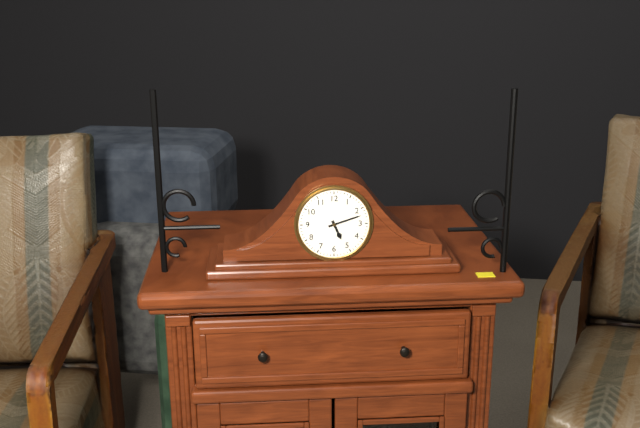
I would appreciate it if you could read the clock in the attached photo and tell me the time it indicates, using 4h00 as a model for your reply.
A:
5h12
